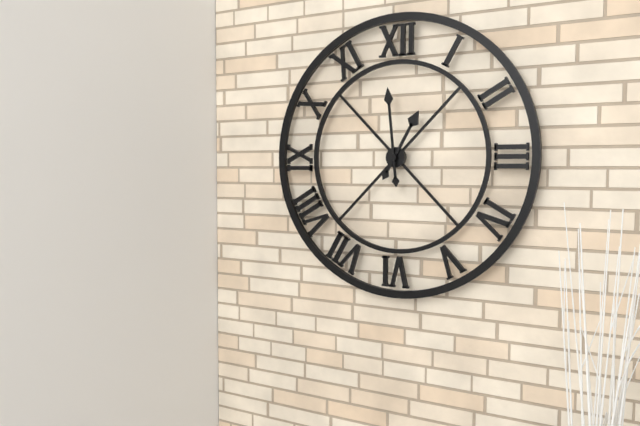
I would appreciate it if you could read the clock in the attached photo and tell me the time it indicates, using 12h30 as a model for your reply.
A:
12h59
